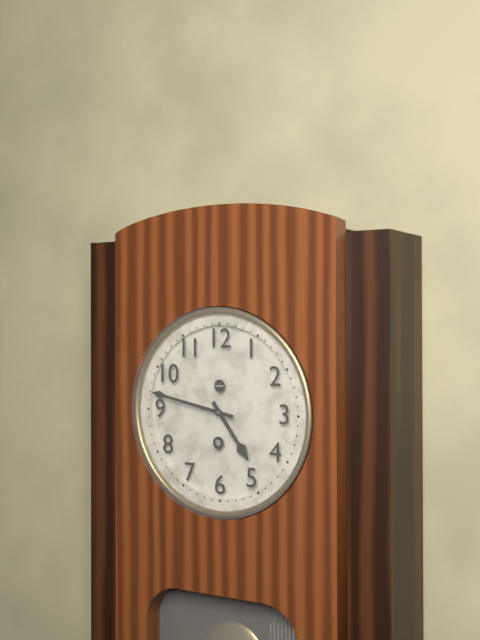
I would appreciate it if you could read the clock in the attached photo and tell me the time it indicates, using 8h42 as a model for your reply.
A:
4h47
